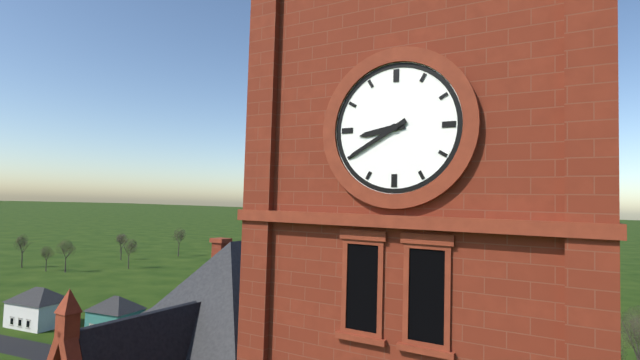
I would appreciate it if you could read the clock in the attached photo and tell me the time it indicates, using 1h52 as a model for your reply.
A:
8h40
